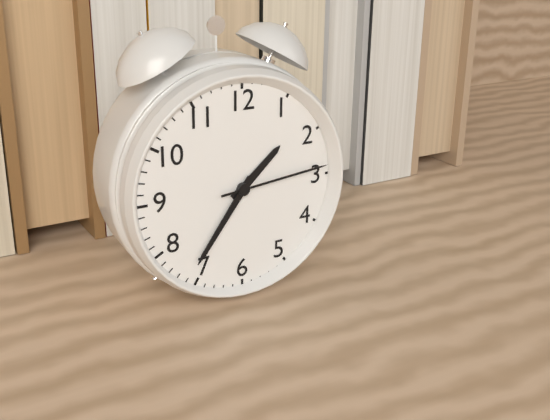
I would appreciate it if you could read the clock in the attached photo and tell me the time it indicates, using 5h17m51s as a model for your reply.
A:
1h36m14s
